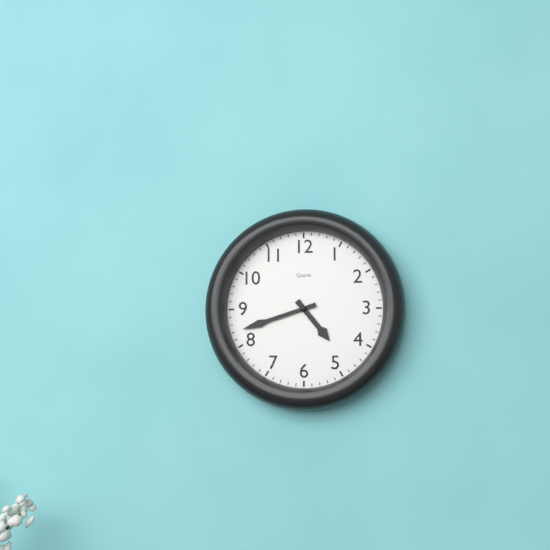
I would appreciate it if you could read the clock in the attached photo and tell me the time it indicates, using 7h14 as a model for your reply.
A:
4h42
